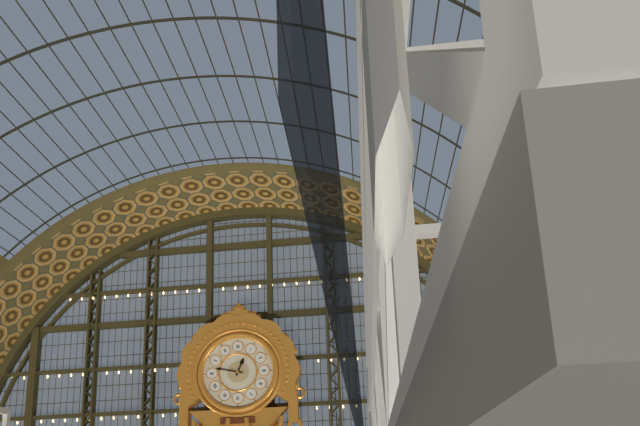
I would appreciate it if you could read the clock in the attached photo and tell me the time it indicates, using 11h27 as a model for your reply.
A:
12h47
